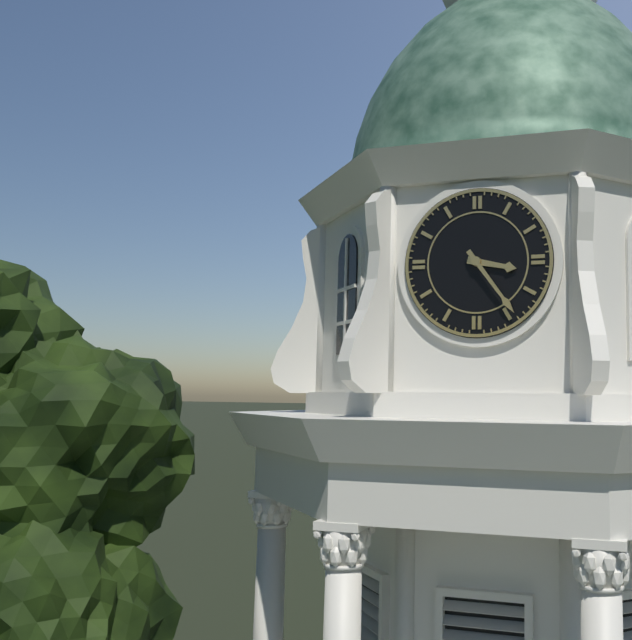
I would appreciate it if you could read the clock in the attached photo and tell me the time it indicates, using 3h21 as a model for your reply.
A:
3h24
